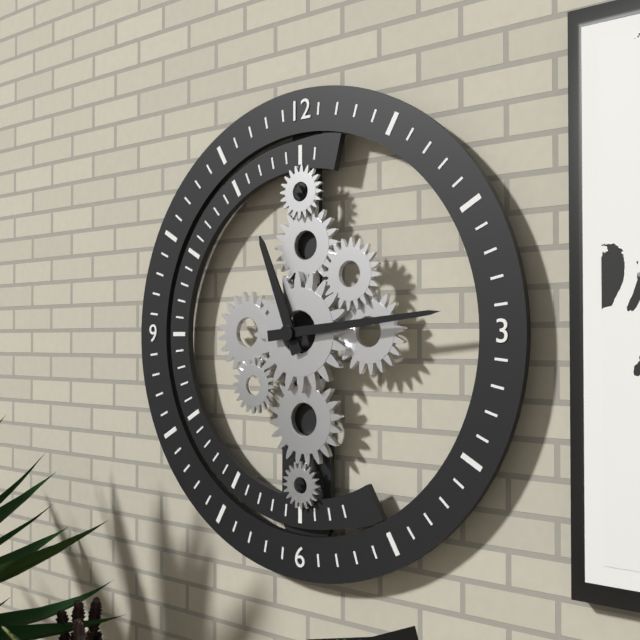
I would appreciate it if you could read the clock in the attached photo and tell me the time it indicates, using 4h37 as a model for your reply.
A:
11h14
